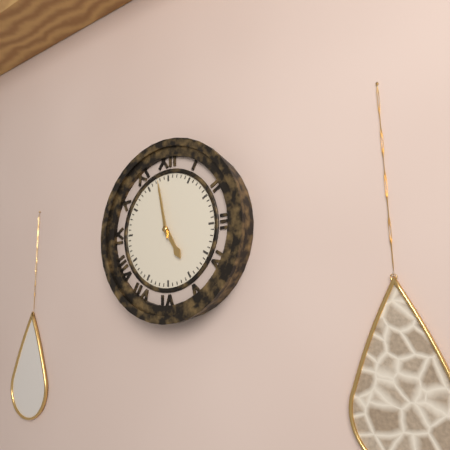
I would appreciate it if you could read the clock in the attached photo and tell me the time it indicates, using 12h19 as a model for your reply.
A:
4h58
